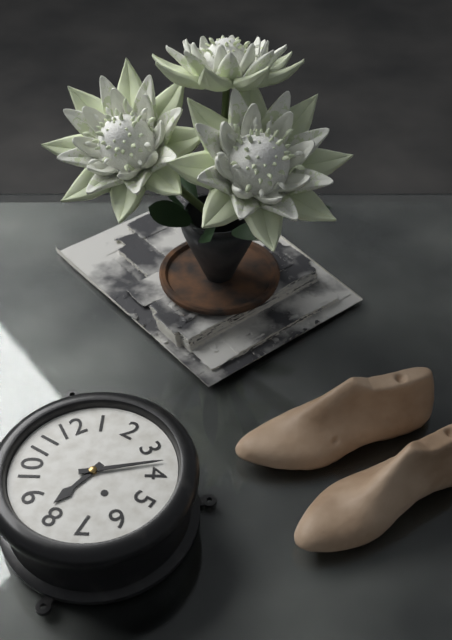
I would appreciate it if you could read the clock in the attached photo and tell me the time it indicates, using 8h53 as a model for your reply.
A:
8h18
